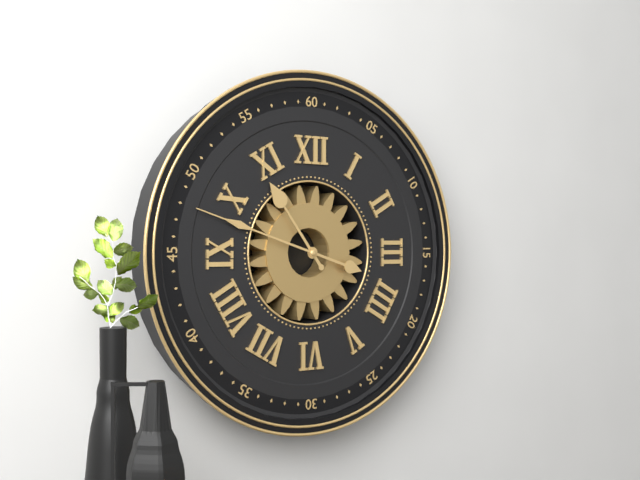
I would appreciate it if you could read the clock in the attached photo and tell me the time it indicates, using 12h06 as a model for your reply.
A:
10h48
